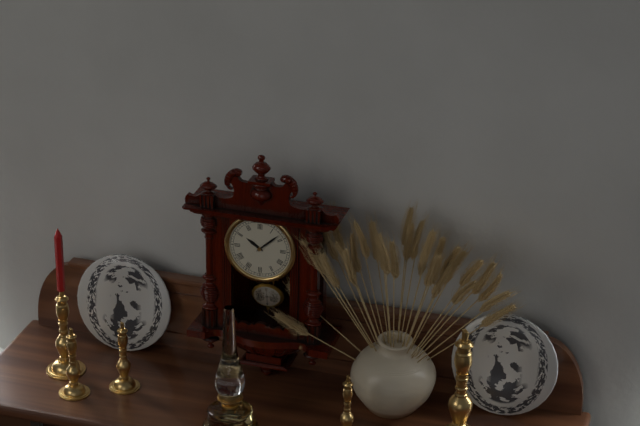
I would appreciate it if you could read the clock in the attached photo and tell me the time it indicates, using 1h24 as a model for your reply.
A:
10h08
